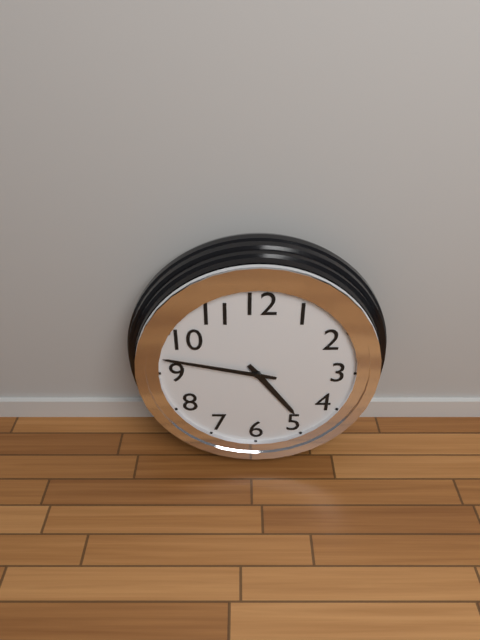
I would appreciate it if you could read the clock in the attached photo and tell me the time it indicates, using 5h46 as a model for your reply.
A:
4h47
